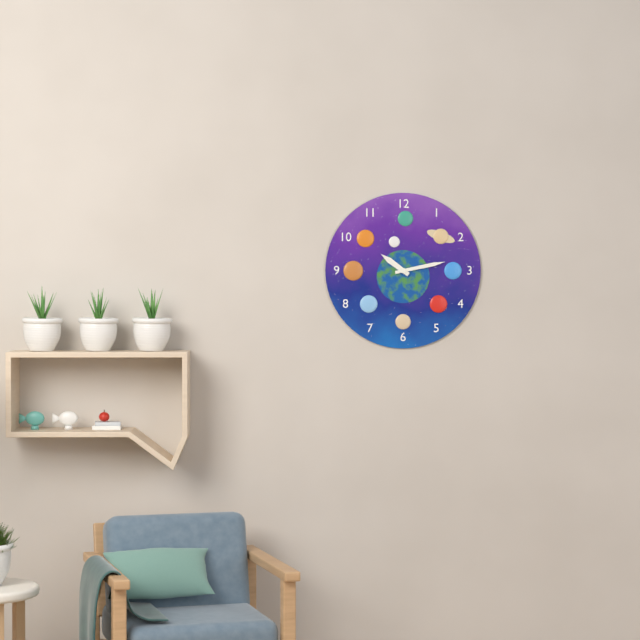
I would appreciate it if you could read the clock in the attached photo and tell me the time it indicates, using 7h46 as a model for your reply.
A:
10h13
